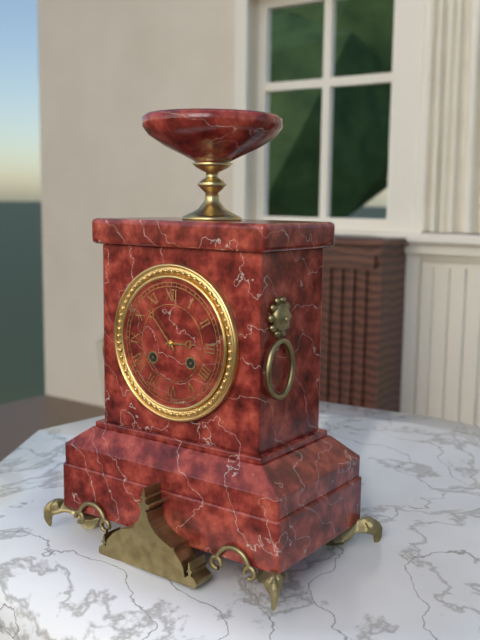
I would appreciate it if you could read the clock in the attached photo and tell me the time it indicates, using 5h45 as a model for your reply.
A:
2h53
